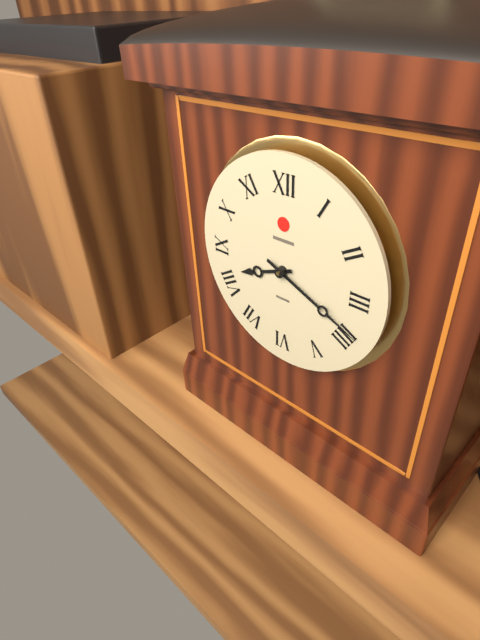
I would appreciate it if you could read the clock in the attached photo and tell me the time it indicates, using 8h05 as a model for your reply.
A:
8h19
